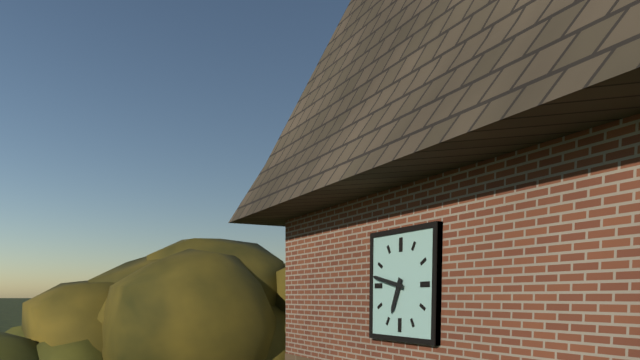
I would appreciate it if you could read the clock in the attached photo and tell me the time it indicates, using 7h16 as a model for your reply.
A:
6h47
